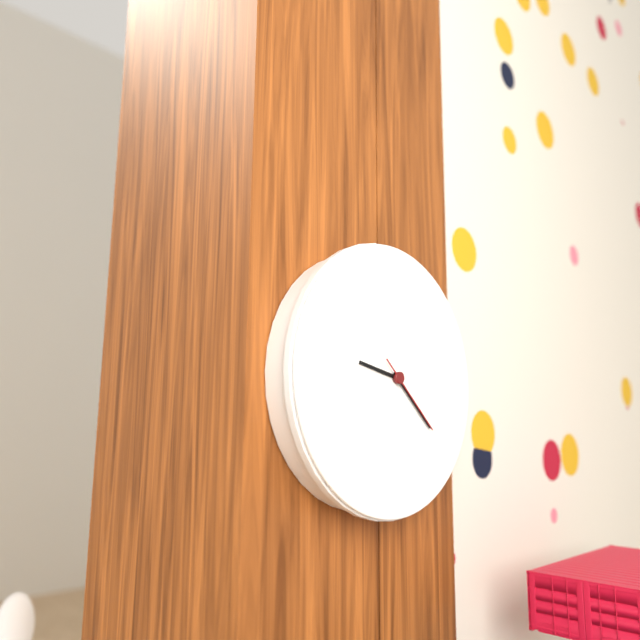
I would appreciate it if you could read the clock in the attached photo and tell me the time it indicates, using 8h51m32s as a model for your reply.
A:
9h22m22s
